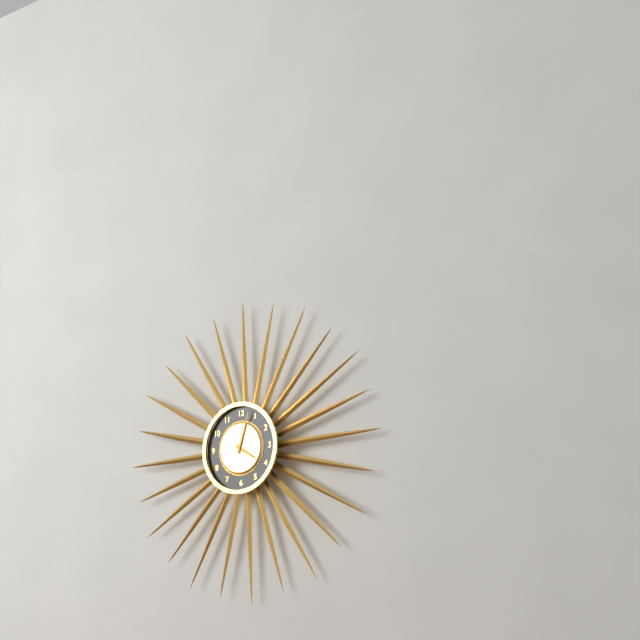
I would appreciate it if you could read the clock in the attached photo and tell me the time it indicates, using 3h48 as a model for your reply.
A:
4h03
